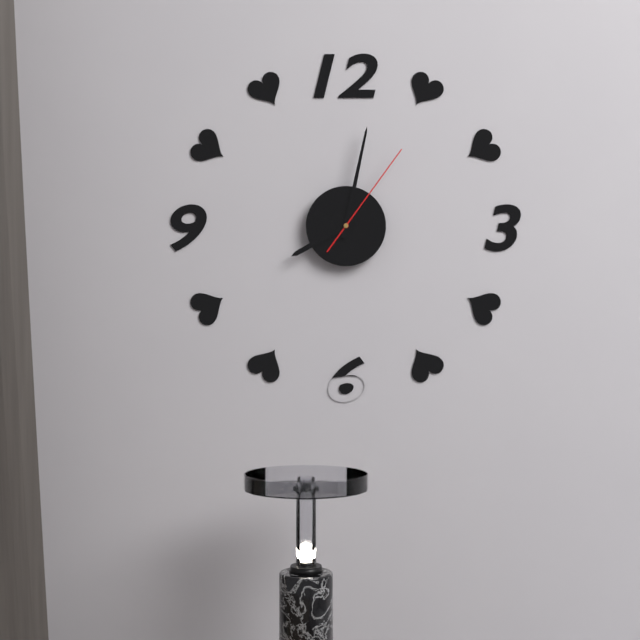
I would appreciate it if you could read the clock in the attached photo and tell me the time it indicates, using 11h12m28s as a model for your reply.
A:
8h02m06s
